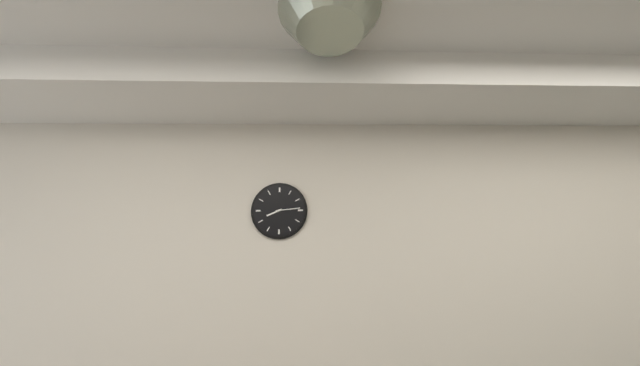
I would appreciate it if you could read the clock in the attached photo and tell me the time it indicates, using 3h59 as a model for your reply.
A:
8h14
